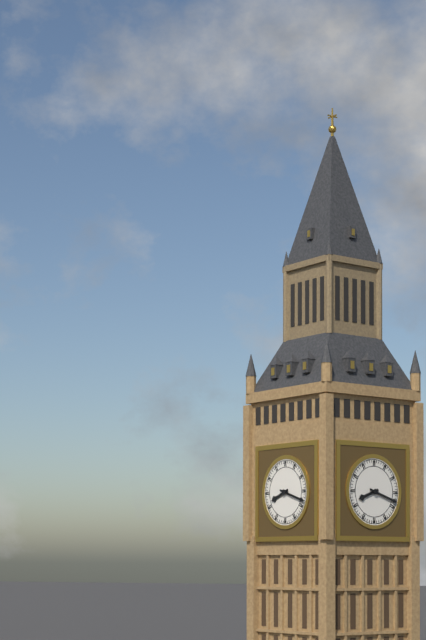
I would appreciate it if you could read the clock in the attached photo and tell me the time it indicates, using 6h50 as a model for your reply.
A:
8h18
